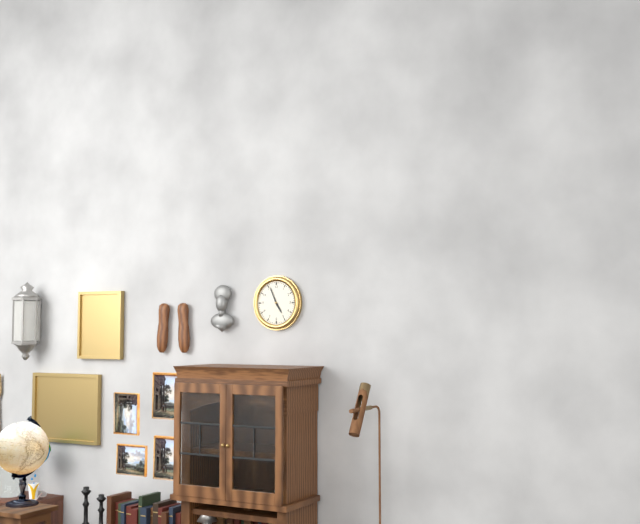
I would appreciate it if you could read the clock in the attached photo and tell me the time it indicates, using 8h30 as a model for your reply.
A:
4h56
